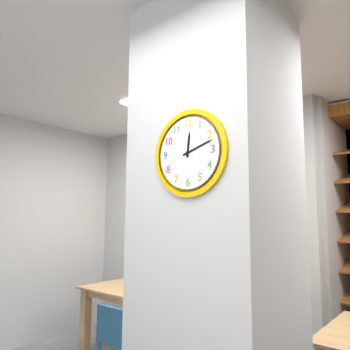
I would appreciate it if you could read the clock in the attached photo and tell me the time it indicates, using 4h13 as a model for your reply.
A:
12h12
